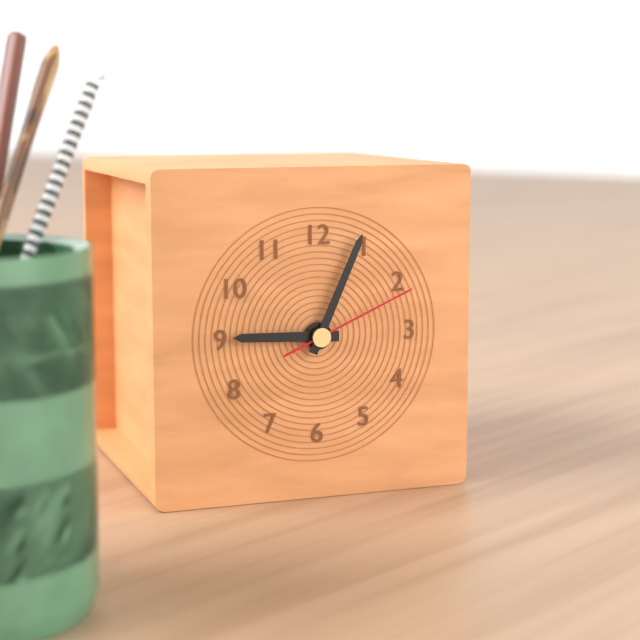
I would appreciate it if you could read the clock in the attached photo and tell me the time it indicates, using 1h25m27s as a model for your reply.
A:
9h04m11s
